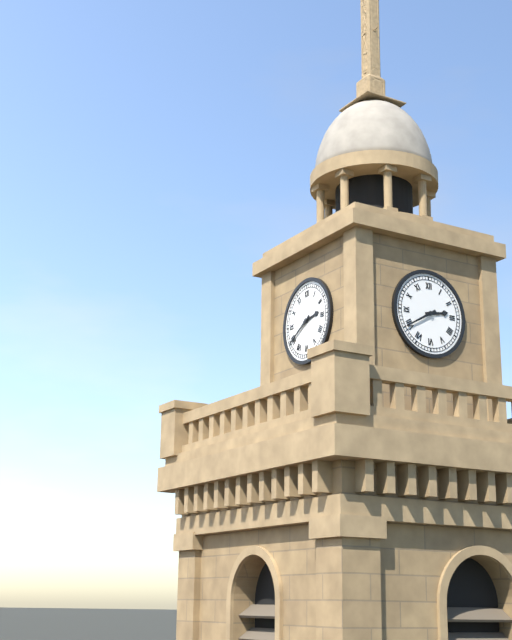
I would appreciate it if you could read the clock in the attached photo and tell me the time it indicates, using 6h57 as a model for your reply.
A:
2h40
